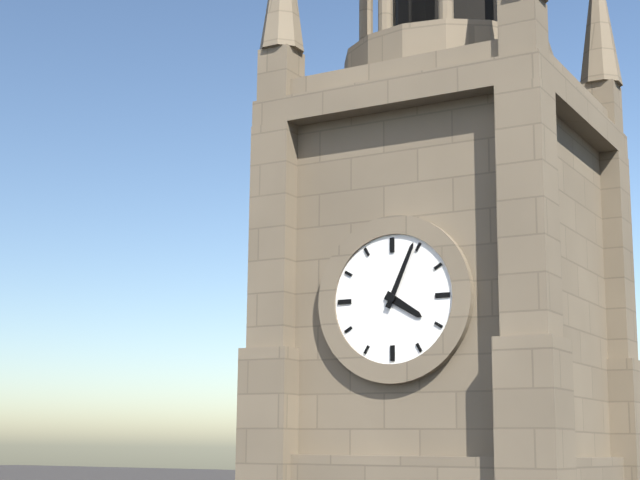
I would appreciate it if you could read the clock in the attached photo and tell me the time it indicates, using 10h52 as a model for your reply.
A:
4h04
